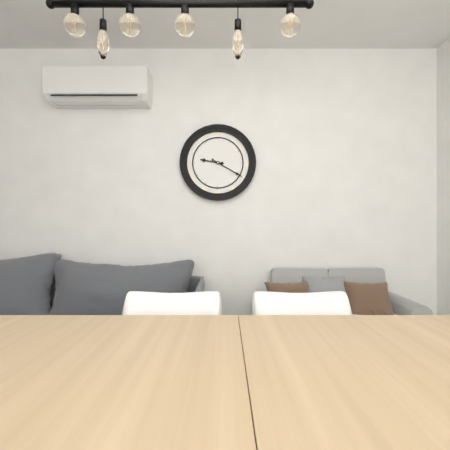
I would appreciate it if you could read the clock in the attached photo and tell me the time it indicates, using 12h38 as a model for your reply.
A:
9h20
